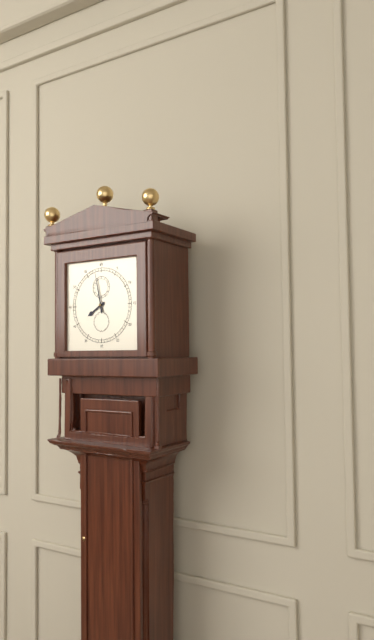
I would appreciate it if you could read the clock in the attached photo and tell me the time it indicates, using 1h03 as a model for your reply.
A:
7h58
